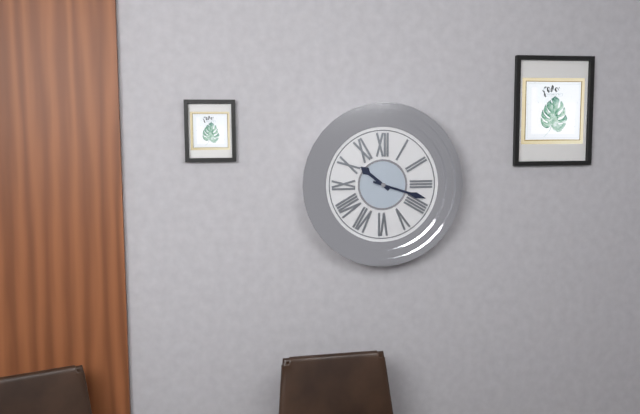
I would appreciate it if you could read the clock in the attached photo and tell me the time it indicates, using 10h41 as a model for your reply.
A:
10h18
